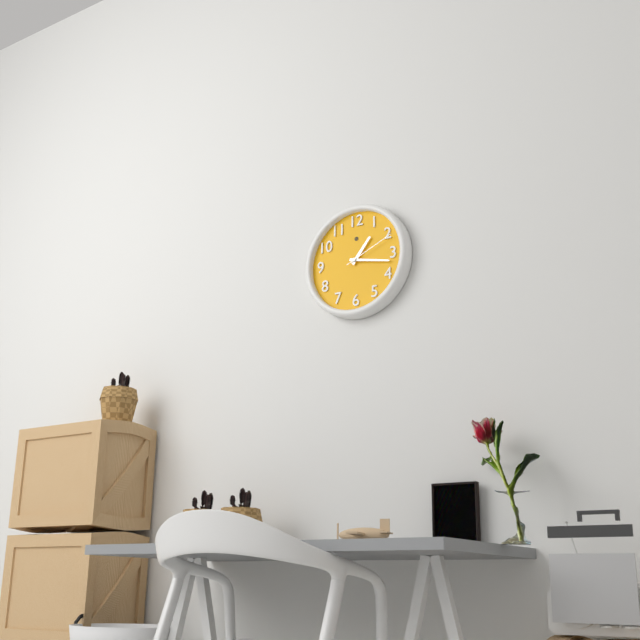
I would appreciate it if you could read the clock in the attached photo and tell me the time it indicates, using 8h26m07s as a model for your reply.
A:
1h17m11s
